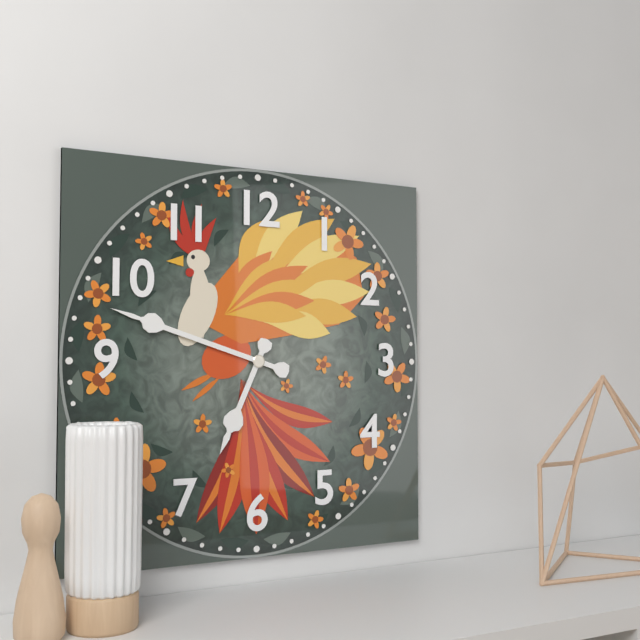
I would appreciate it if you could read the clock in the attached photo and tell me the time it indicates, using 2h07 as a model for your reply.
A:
6h48
